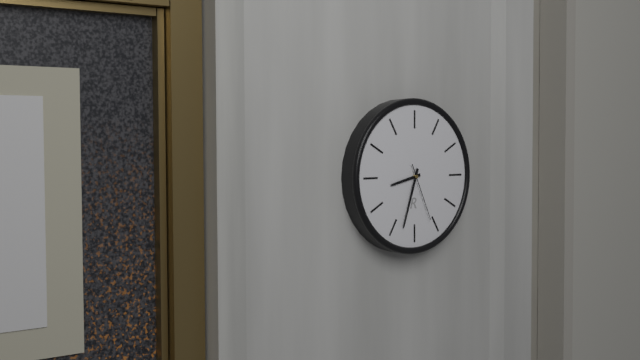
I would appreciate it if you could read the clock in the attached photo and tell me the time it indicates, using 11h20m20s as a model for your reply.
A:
8h33m26s
